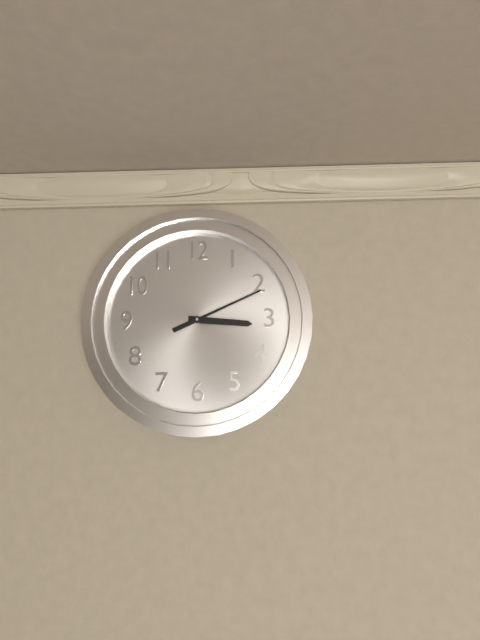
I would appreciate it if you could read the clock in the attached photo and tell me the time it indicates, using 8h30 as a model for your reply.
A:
3h11
